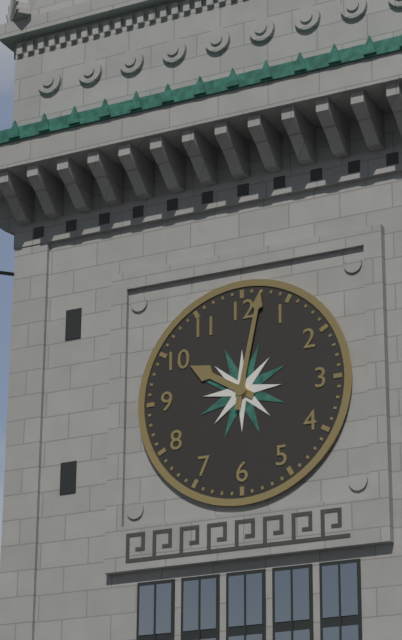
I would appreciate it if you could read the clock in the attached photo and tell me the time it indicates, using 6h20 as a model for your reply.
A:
10h02
